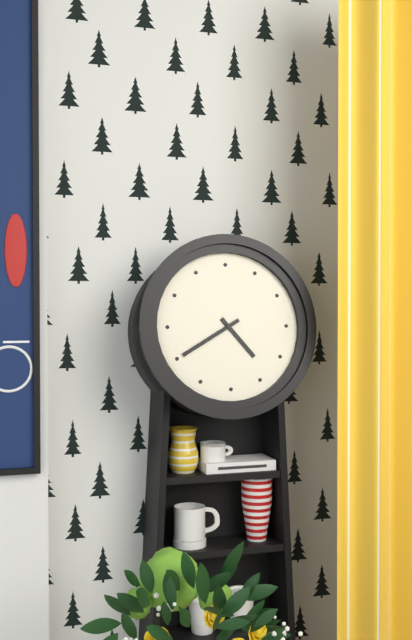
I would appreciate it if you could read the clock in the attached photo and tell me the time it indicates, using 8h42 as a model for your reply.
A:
4h40
